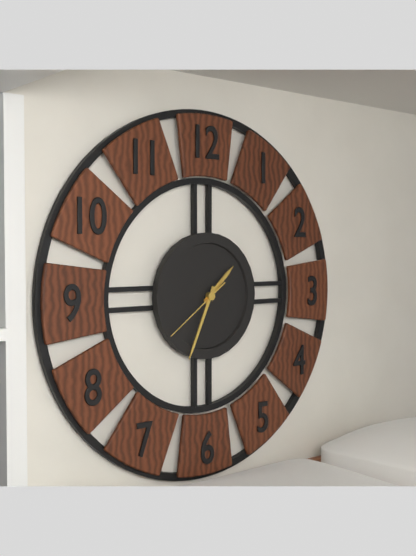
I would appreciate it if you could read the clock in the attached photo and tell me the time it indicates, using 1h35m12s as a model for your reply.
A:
1h34m39s
